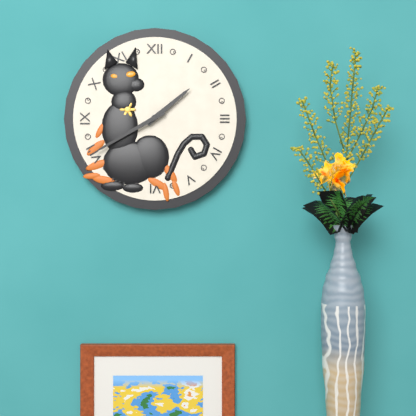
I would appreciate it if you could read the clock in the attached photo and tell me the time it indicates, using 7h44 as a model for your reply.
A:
1h40
